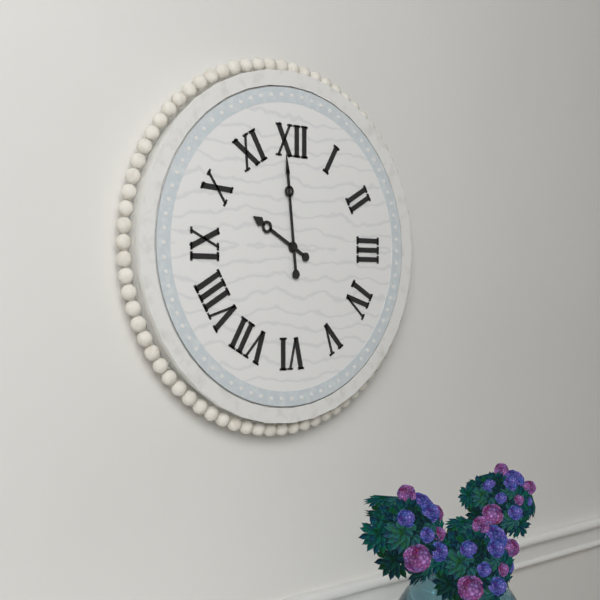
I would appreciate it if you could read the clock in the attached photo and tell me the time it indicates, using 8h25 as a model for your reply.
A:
9h59
